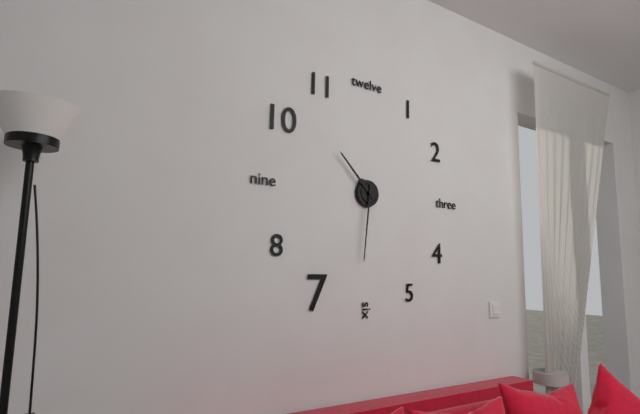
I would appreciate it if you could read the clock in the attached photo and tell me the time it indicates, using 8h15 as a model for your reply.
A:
10h31
